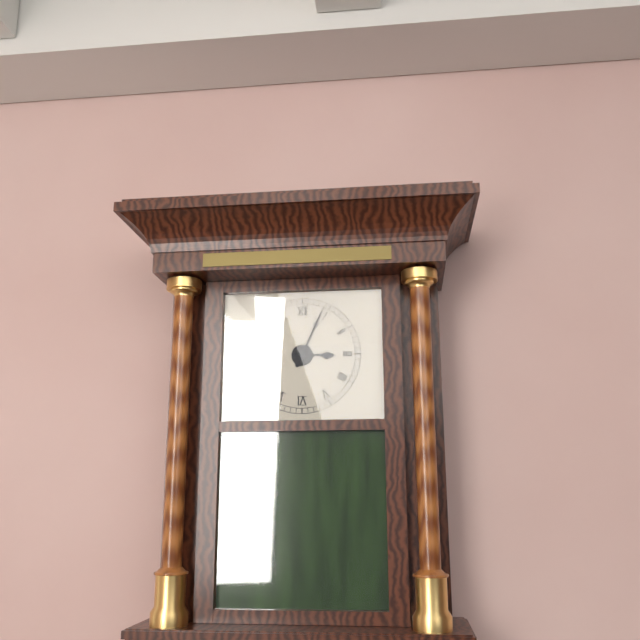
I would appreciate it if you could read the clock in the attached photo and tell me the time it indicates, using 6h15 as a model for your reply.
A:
3h04
